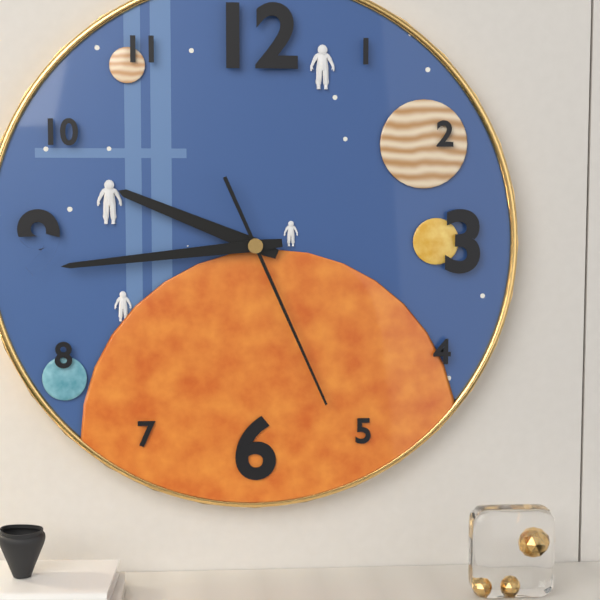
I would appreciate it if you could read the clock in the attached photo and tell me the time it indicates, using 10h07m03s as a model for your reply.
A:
9h44m26s
